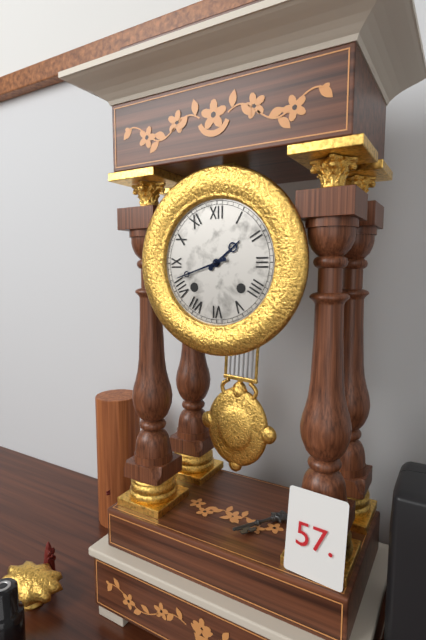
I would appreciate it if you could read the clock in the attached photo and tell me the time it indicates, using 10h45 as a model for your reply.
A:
1h42
